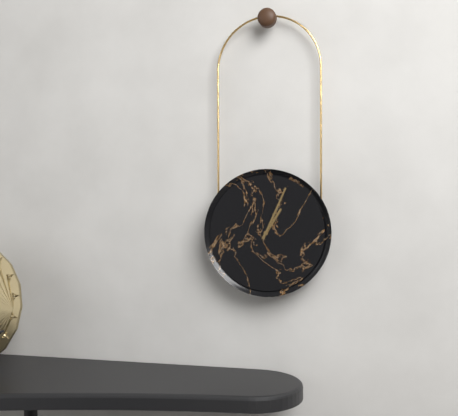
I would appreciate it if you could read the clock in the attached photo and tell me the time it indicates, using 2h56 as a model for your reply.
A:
1h04
